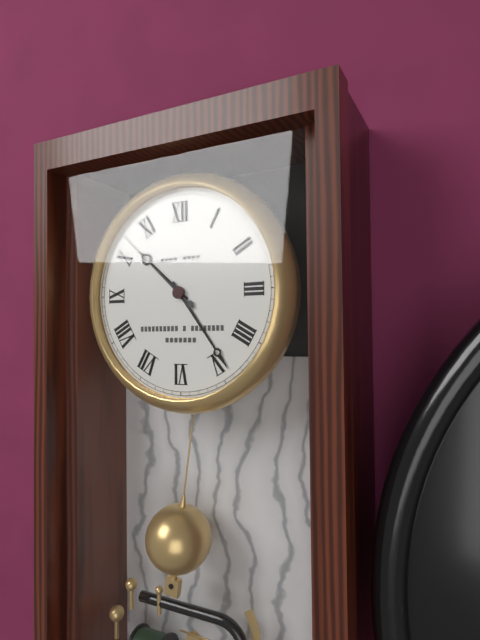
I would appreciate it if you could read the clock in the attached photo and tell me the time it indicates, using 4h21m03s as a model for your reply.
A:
10h24m52s
